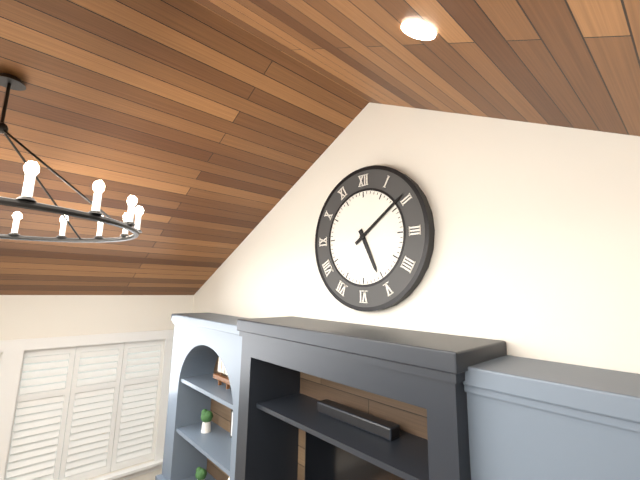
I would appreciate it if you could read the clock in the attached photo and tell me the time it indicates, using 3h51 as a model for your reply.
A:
5h09
